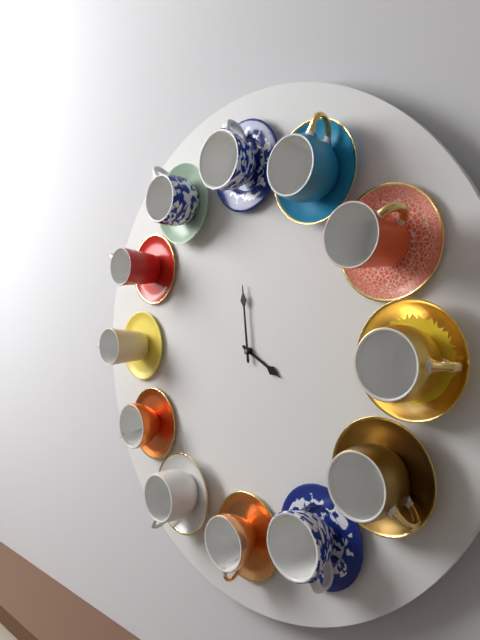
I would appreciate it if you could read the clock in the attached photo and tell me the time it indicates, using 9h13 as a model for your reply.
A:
3h59
